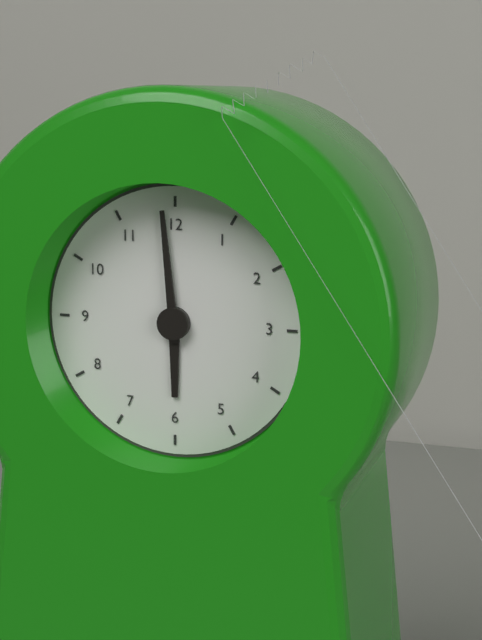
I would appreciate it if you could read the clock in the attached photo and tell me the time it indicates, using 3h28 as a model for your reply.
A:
5h59
